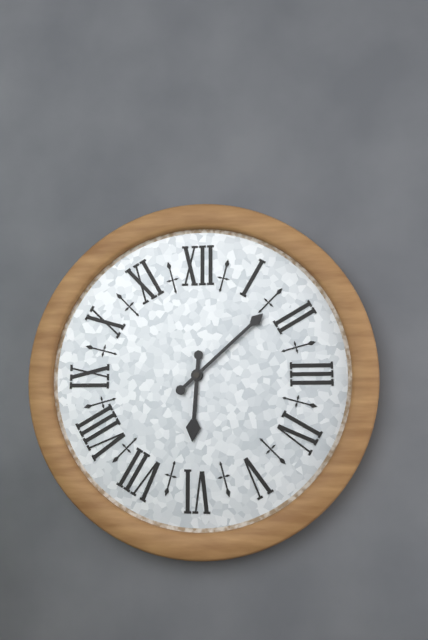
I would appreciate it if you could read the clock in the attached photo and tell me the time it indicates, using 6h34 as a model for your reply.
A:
6h08
